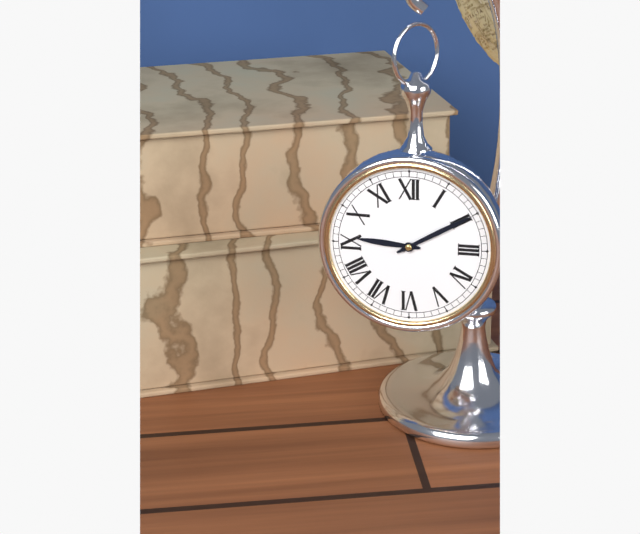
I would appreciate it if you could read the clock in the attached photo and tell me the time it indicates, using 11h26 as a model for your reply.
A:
9h10
